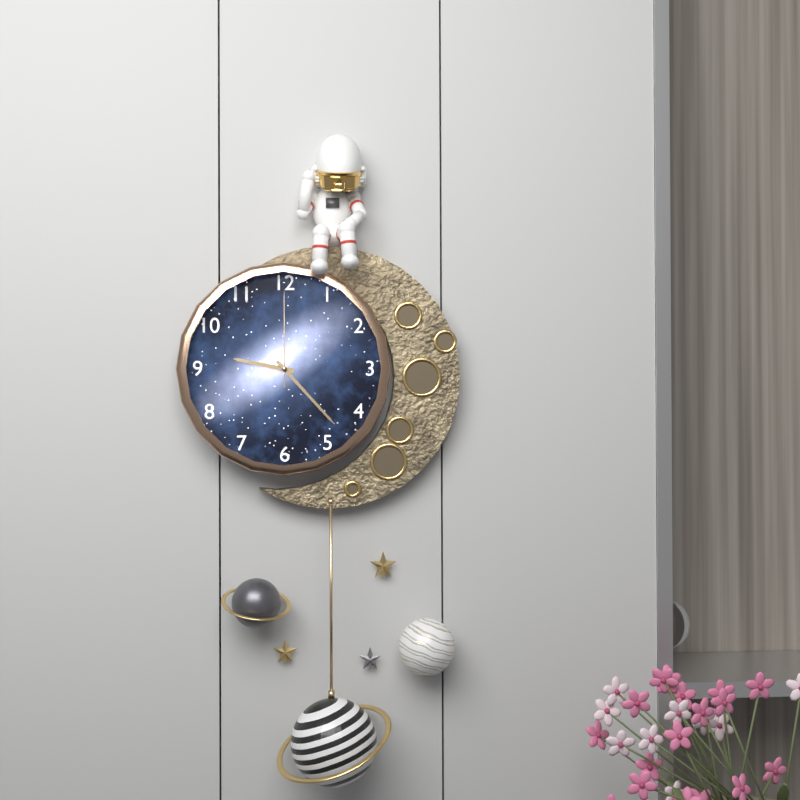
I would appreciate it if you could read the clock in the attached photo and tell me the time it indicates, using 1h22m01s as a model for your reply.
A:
9h23m00s
